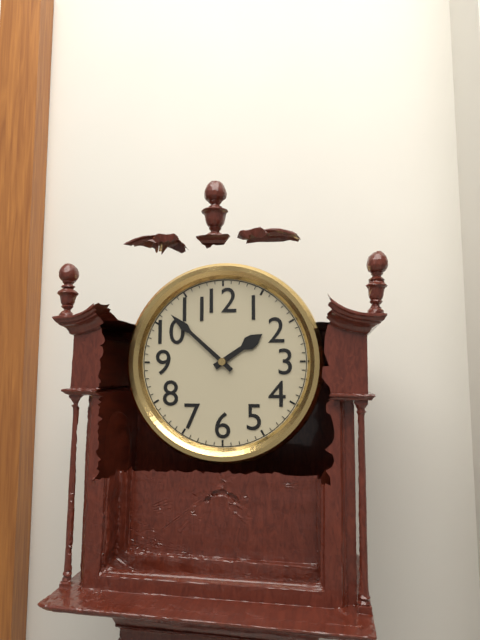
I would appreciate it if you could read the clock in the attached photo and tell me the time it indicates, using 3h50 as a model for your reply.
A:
1h52
